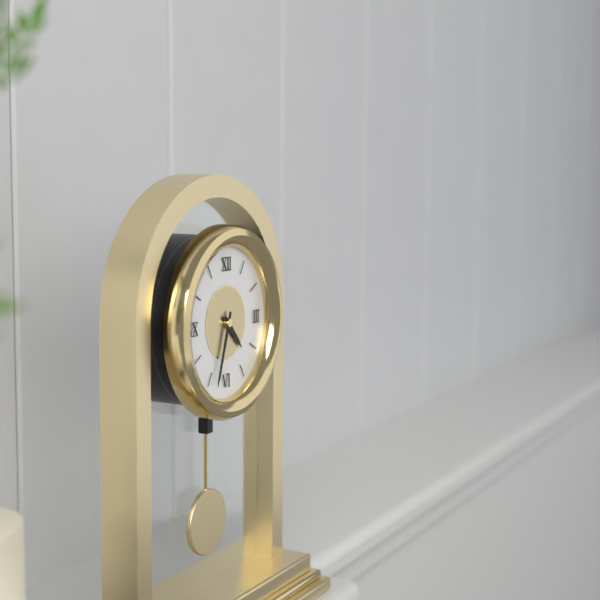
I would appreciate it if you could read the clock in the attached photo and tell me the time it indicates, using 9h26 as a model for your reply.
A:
4h33
